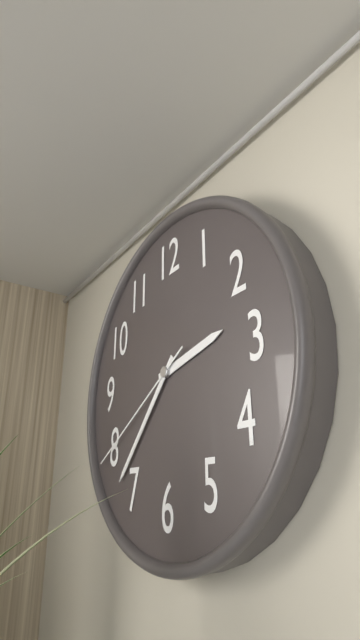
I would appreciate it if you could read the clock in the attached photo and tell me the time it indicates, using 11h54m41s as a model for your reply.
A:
2h37m40s
